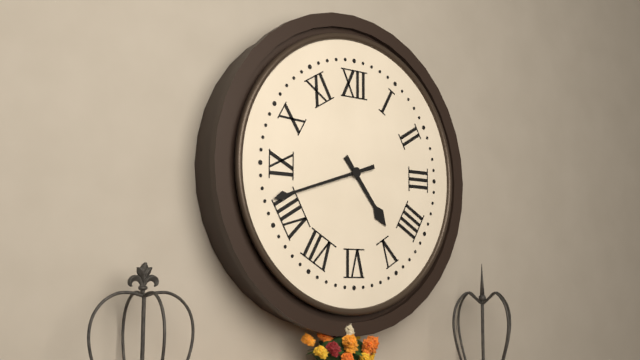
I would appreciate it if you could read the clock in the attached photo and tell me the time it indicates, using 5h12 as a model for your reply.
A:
4h42
